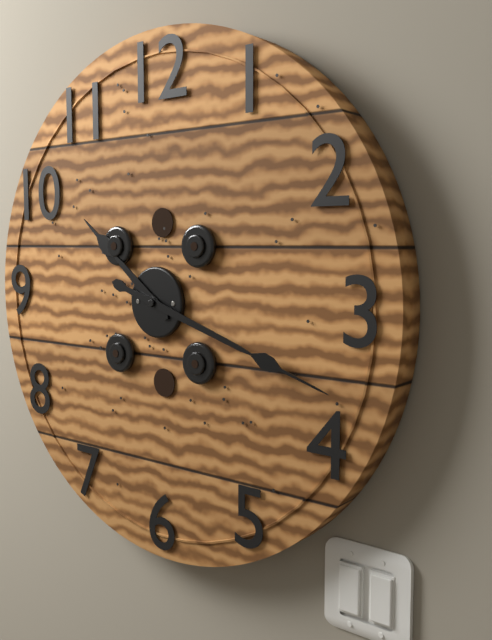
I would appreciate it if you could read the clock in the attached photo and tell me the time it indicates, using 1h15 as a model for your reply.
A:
10h18
